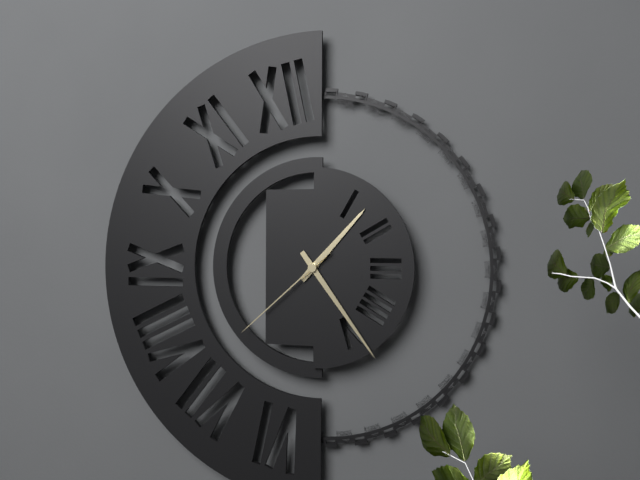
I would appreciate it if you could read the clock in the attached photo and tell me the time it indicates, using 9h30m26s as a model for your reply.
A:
1h24m38s
